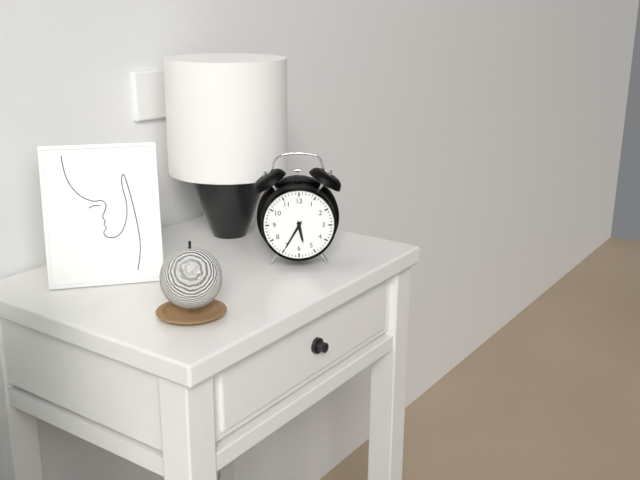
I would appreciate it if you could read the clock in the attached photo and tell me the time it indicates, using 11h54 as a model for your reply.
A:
5h35
